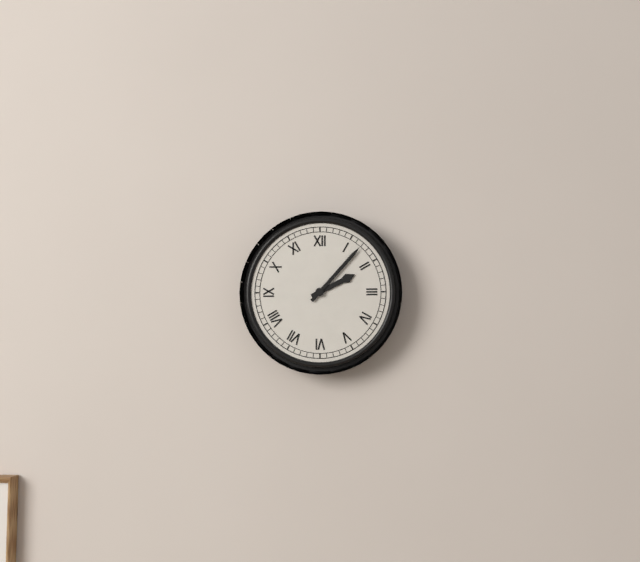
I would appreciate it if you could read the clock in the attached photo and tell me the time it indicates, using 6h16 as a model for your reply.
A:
2h07
